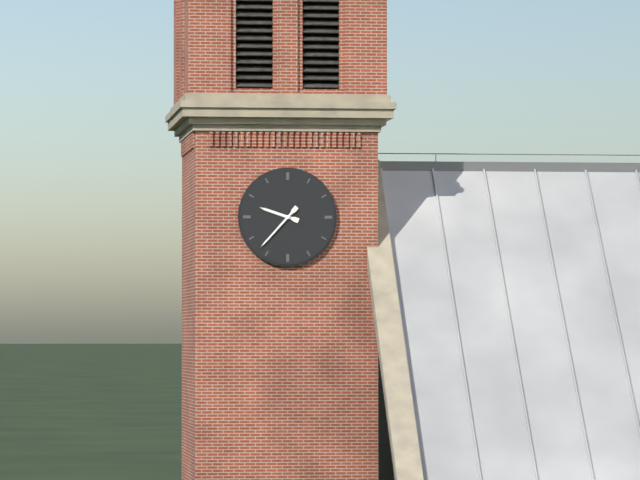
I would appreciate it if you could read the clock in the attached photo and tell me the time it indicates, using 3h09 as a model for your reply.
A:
9h37
